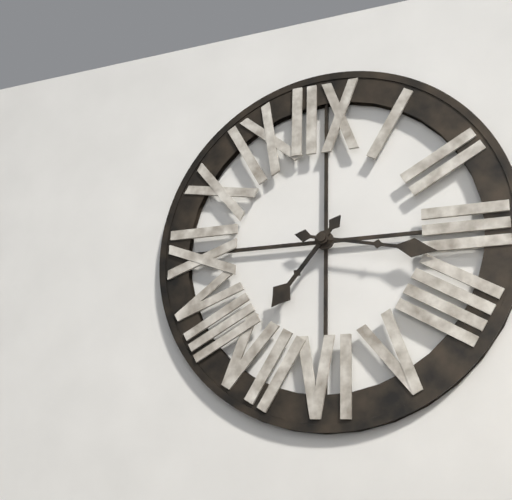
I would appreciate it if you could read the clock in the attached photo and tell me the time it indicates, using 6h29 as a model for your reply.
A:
7h17
